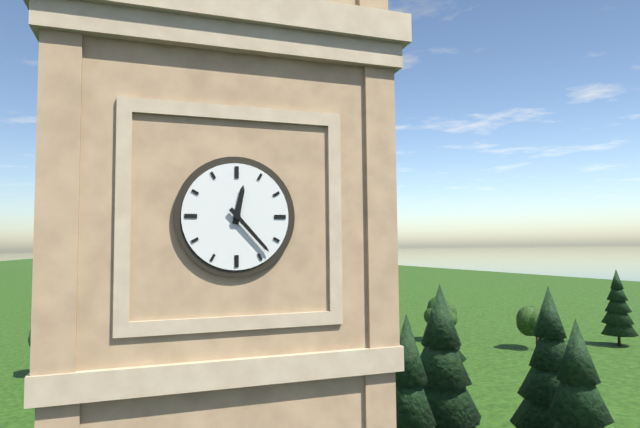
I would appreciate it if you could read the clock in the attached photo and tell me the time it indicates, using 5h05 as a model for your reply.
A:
12h23
